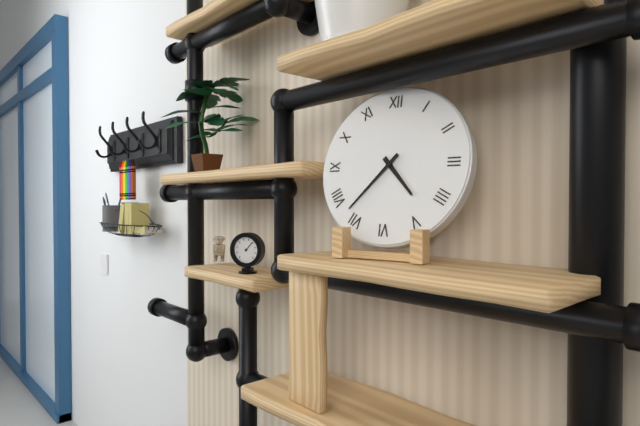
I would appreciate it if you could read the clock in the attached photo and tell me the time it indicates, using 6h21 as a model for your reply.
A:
4h37
